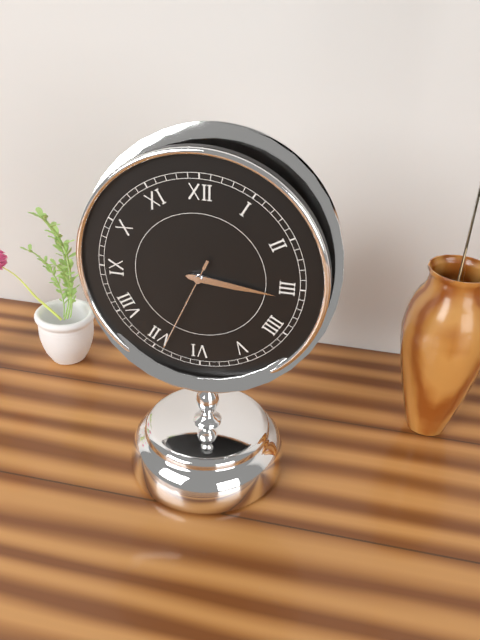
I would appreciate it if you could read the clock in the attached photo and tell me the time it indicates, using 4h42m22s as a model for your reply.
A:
3h16m34s
